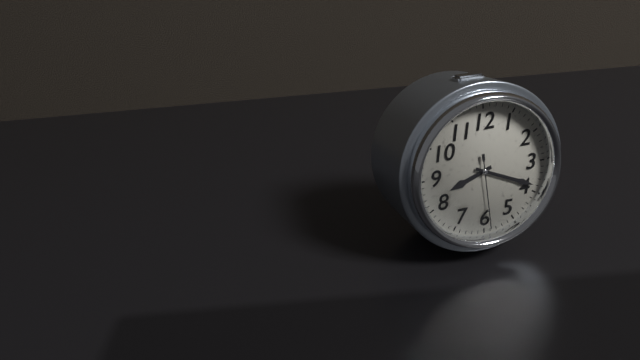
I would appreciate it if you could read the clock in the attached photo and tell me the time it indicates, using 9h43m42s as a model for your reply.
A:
8h19m29s
